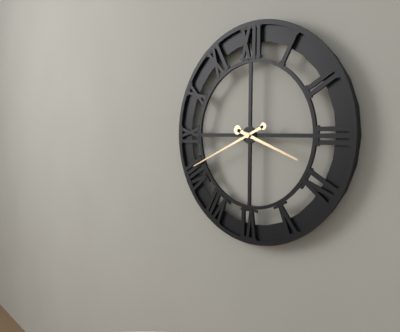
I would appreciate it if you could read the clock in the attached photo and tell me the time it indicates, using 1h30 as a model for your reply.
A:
3h41
